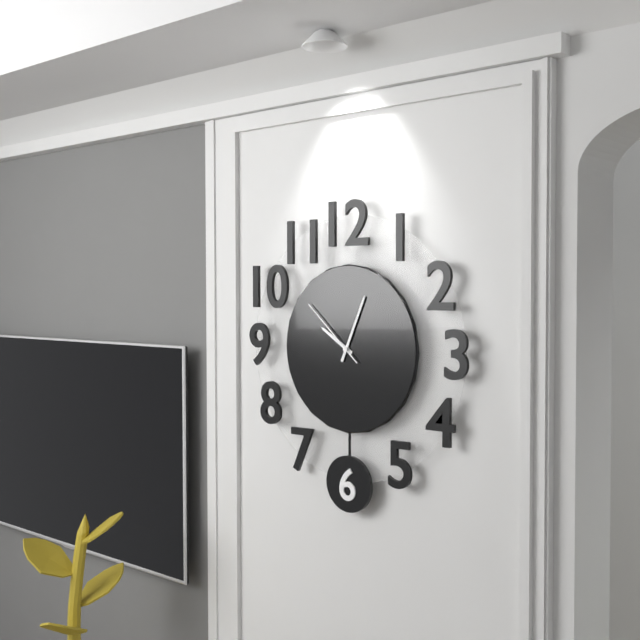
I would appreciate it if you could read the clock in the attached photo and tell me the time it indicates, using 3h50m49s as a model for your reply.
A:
10h04m52s
